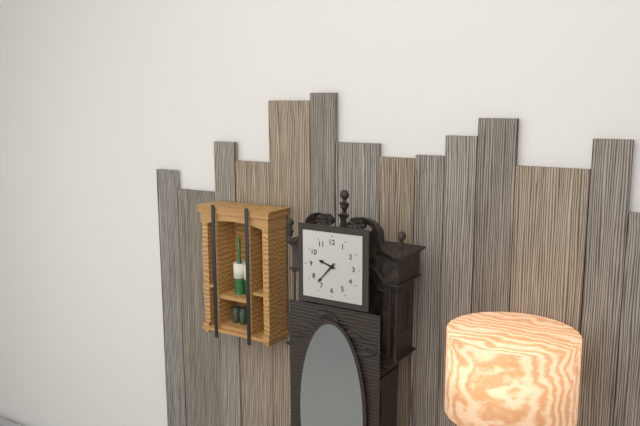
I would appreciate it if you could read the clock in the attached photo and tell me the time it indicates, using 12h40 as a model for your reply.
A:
9h37
